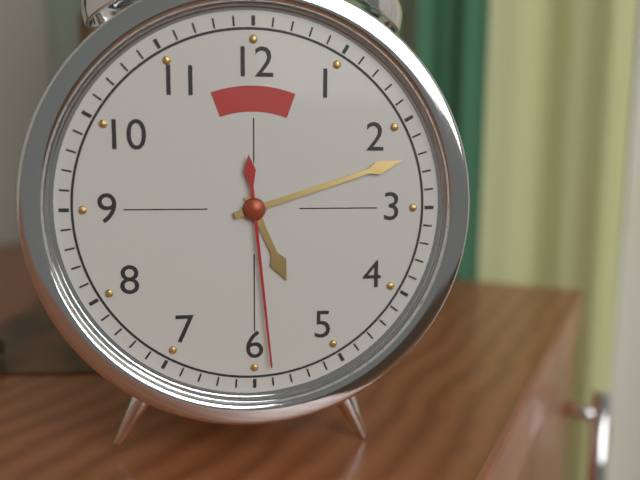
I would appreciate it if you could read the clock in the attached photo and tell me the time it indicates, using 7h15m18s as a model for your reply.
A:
5h12m29s
